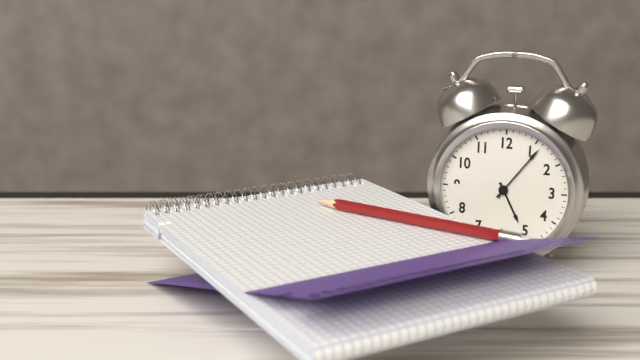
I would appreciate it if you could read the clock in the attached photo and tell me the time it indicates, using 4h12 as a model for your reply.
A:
5h06
